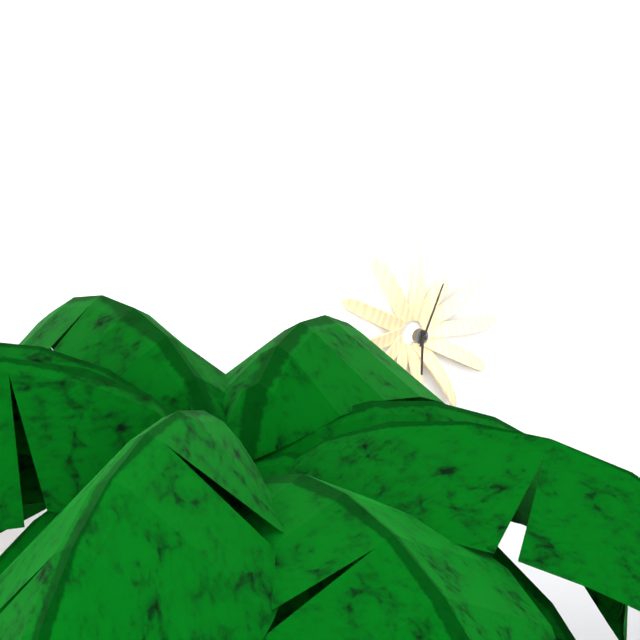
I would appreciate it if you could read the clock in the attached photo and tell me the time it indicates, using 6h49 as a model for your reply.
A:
6h04
